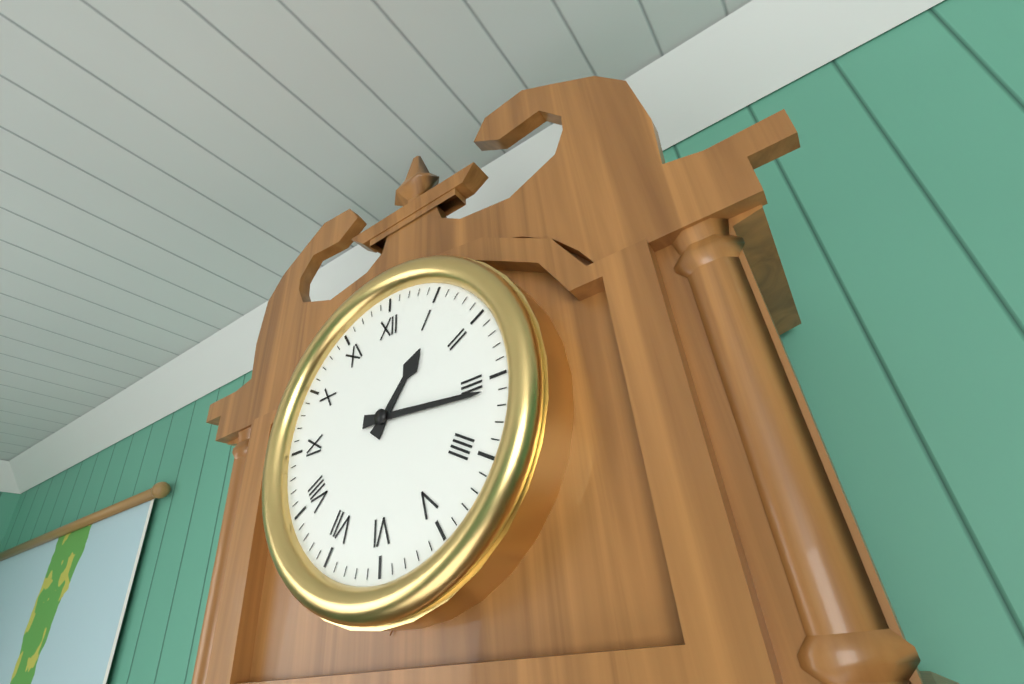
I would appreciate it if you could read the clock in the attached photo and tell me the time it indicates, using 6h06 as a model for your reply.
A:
1h16
